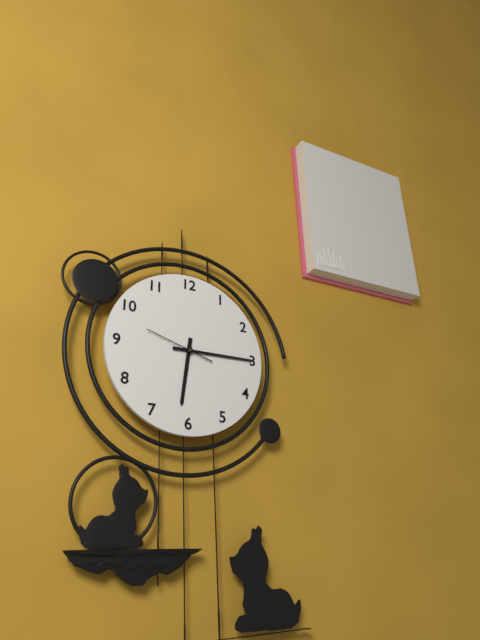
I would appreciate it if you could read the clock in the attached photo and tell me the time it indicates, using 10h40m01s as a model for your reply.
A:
6h15m48s
